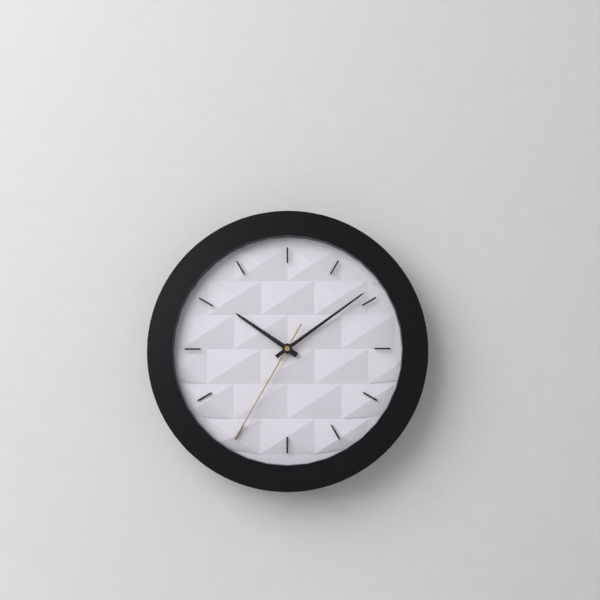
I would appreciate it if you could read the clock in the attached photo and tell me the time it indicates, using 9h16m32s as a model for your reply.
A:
10h09m35s
